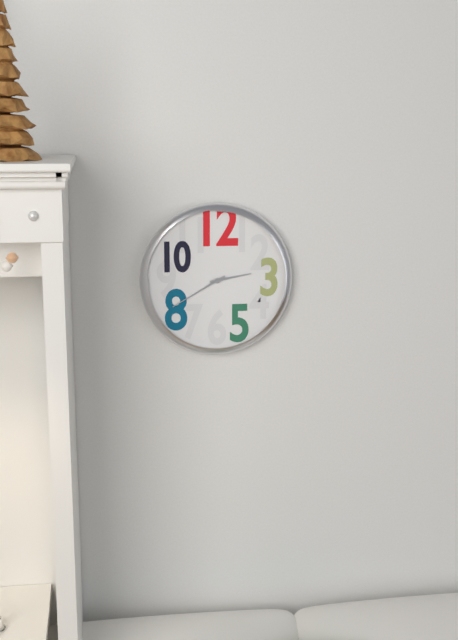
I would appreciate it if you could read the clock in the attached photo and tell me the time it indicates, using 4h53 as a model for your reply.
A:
2h40
